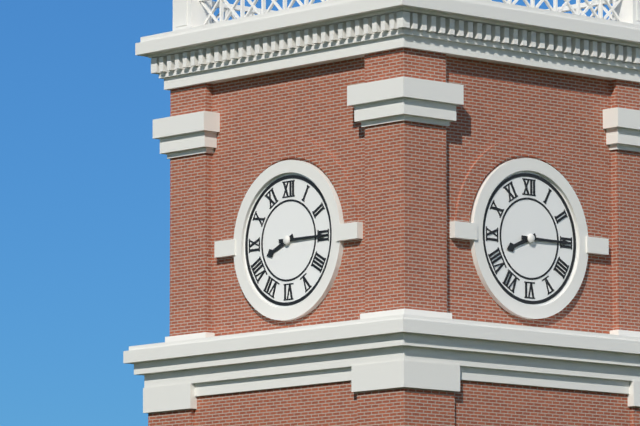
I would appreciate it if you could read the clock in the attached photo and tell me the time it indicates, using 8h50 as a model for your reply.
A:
8h15
